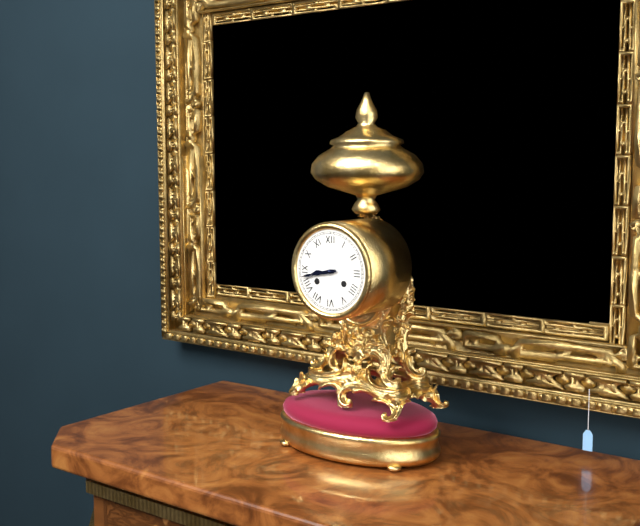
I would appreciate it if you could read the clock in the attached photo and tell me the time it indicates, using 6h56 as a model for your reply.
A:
8h43
